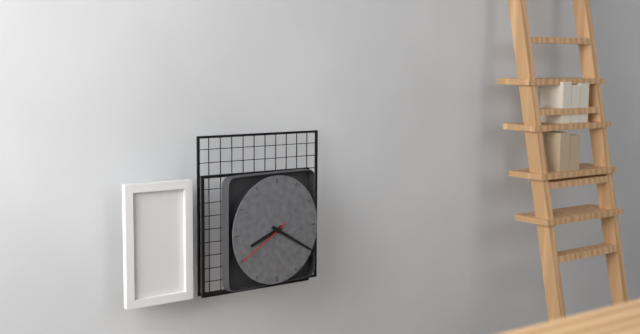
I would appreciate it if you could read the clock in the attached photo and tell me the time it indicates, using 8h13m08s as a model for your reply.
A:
8h20m40s
